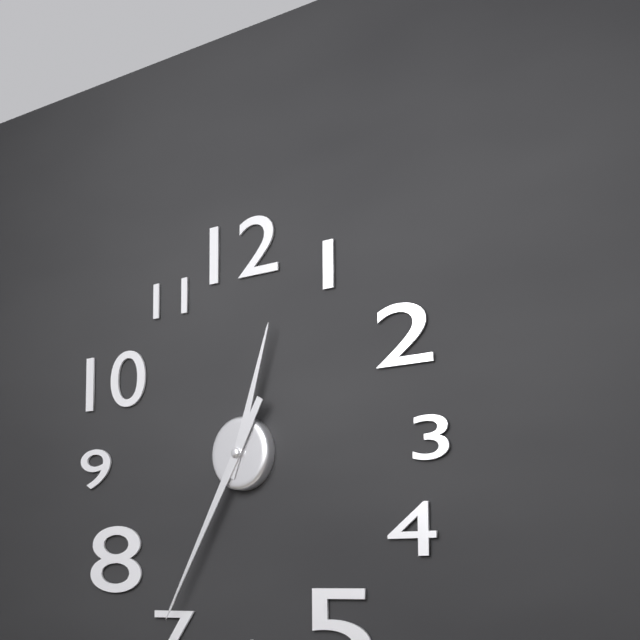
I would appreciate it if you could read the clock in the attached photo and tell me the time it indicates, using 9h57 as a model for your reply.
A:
12h35
